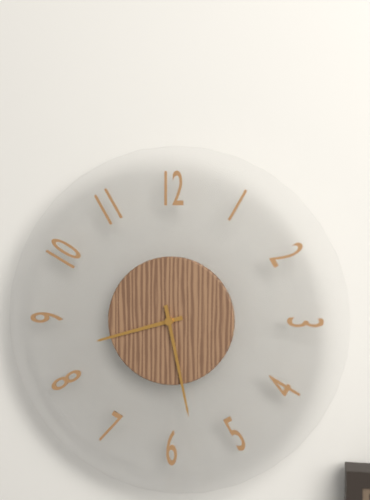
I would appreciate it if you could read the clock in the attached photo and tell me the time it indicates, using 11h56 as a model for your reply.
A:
8h28
